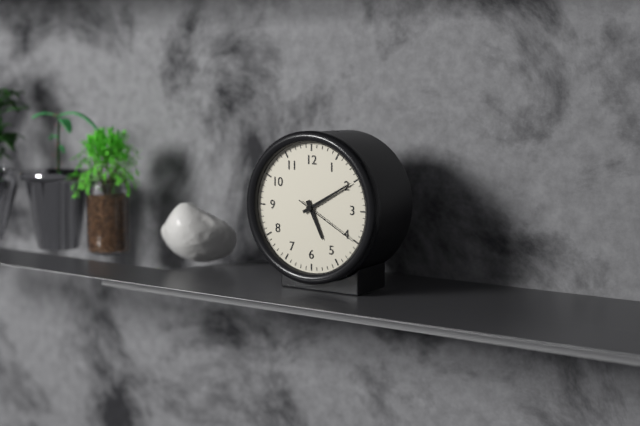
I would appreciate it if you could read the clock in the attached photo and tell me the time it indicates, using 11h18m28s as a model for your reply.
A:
5h10m20s
